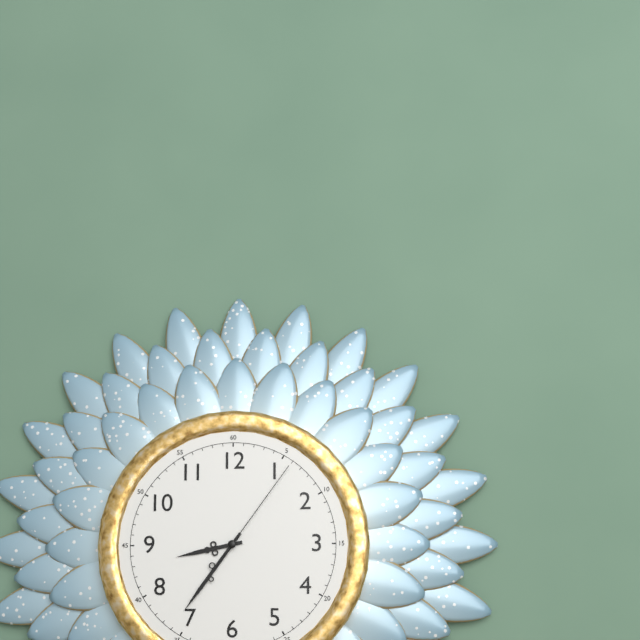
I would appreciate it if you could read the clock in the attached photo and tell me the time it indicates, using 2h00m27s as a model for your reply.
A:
8h36m06s
